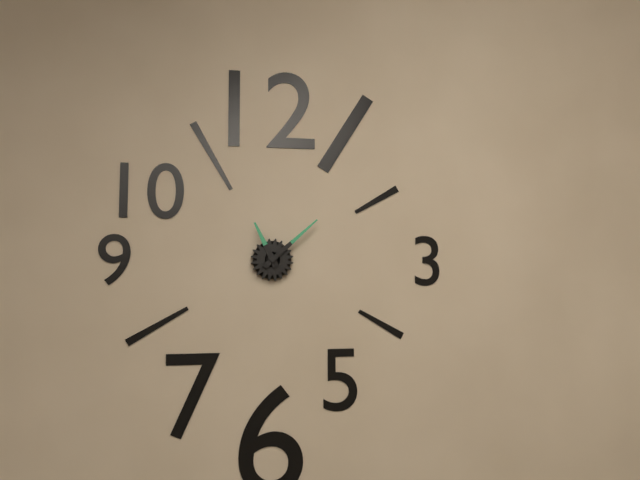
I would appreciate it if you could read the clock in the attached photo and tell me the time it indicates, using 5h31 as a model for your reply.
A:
11h08
